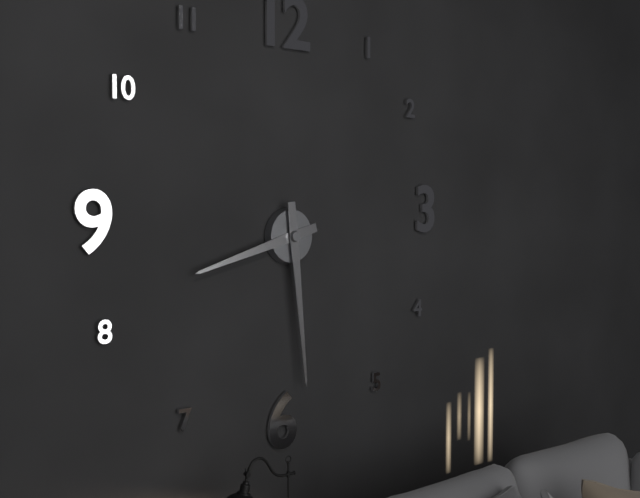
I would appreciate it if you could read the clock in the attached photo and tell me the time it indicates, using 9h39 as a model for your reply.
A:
8h29
